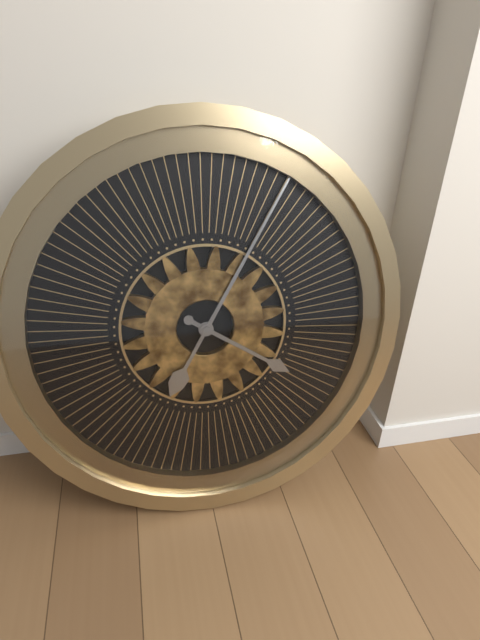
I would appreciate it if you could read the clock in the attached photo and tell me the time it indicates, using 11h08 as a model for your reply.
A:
4h05
